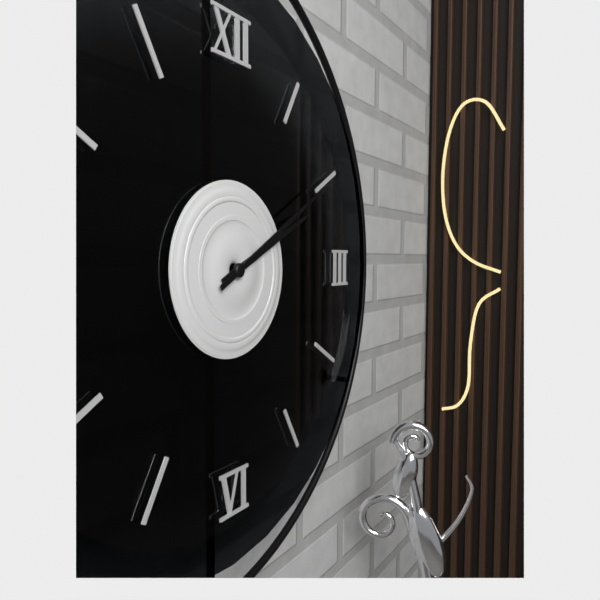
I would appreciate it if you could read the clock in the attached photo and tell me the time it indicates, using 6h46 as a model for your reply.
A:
2h10
